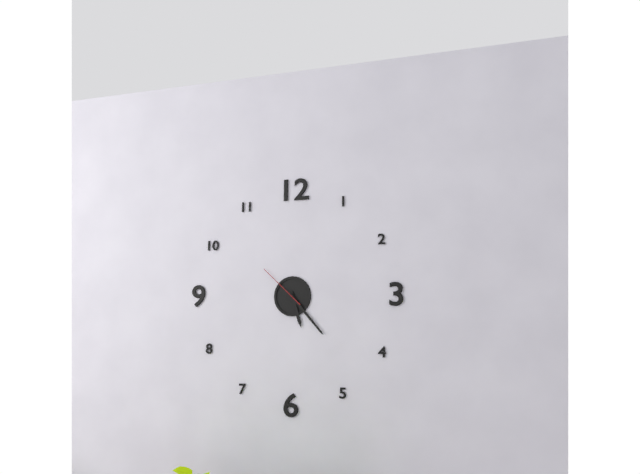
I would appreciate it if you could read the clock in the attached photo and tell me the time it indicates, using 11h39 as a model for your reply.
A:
5h23
